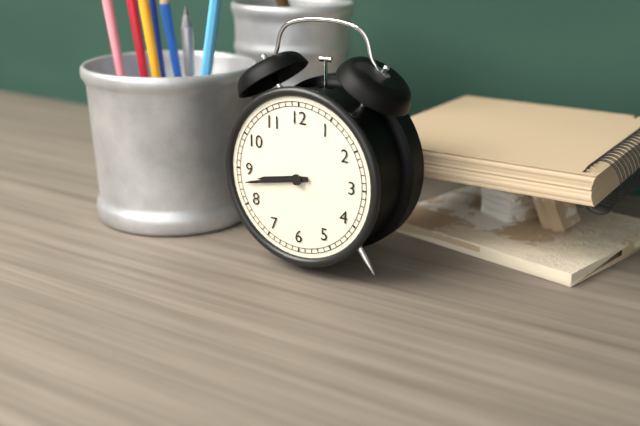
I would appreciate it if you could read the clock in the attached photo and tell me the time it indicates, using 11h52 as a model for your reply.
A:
8h43
